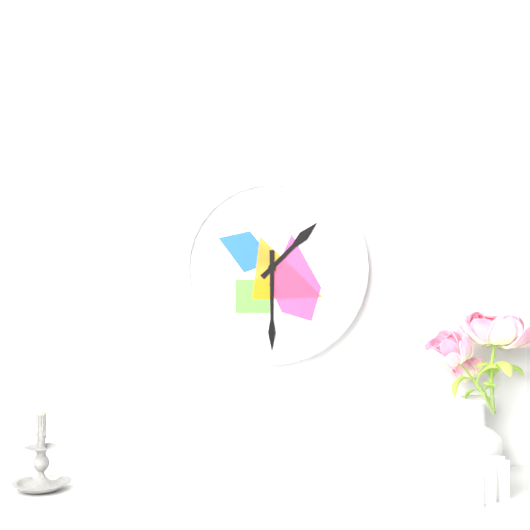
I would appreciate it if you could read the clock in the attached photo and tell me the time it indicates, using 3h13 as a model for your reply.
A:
1h30
